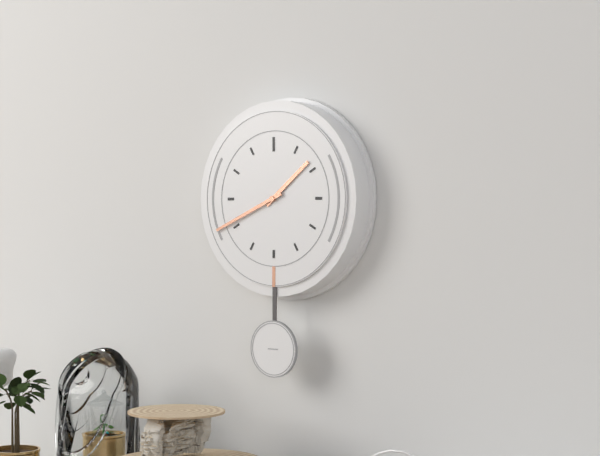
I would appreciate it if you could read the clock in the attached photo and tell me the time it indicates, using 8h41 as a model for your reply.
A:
1h41
